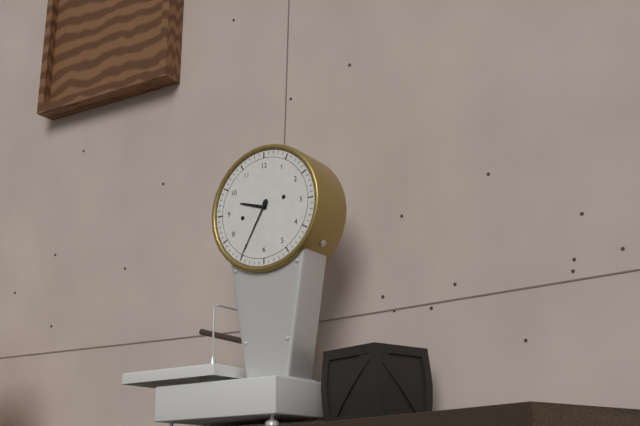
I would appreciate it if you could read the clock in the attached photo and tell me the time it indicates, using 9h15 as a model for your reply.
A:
9h35
